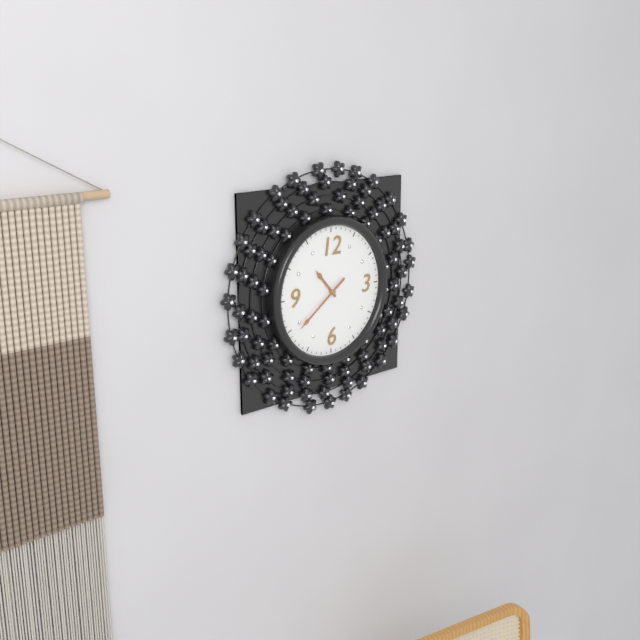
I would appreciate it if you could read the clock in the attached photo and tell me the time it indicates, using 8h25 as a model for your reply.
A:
10h39
